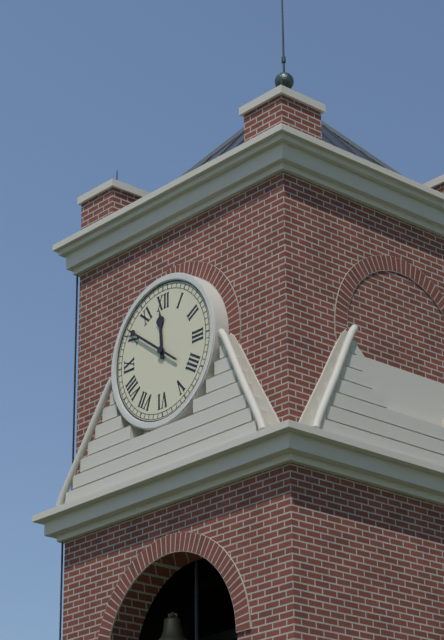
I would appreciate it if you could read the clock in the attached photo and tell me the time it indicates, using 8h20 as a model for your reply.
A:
11h51
